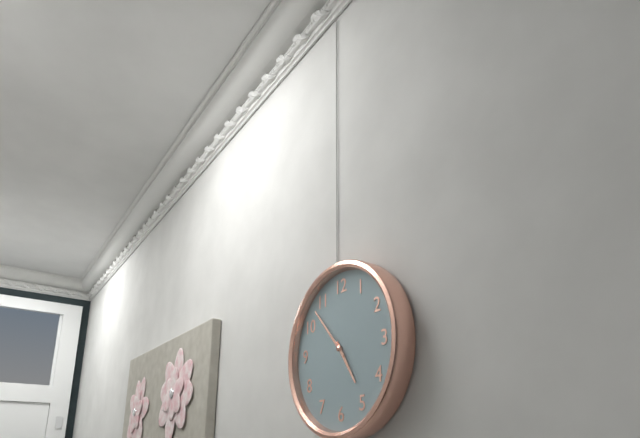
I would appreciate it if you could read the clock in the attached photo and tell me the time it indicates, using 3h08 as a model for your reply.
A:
4h53
